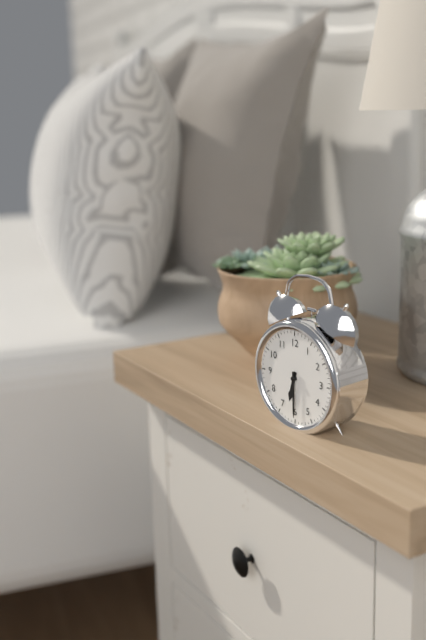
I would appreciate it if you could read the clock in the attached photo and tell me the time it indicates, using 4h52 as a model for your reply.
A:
6h30
